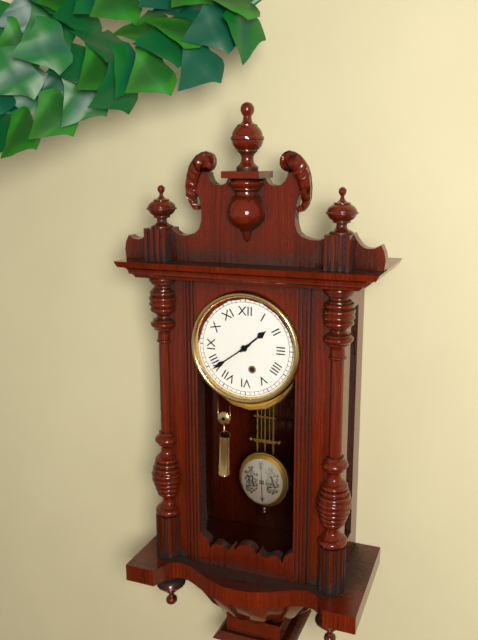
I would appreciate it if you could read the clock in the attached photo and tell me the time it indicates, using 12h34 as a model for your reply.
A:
1h39
